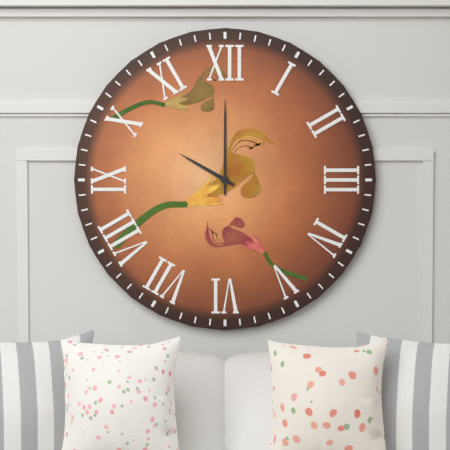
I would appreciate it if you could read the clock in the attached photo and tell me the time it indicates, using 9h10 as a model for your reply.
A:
10h00
